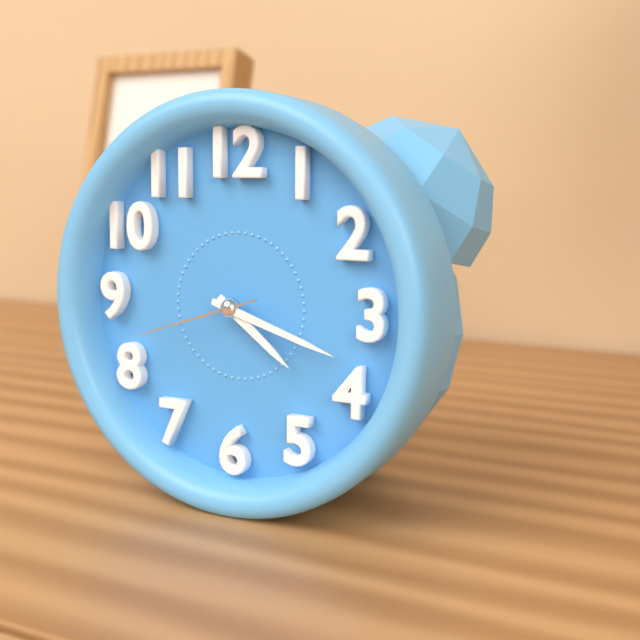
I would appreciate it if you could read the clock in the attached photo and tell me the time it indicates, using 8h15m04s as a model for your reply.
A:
4h18m42s
